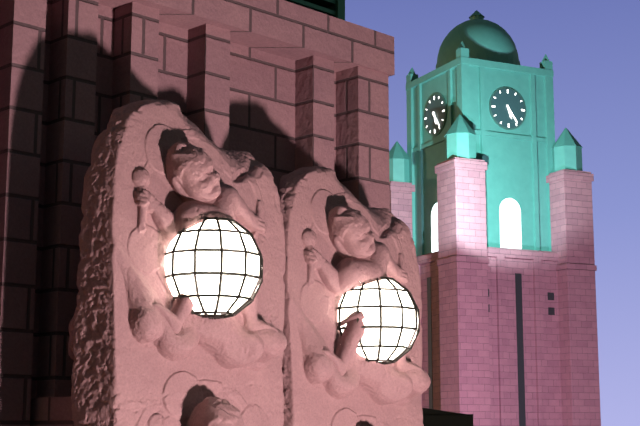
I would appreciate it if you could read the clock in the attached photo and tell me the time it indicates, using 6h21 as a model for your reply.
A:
5h24
